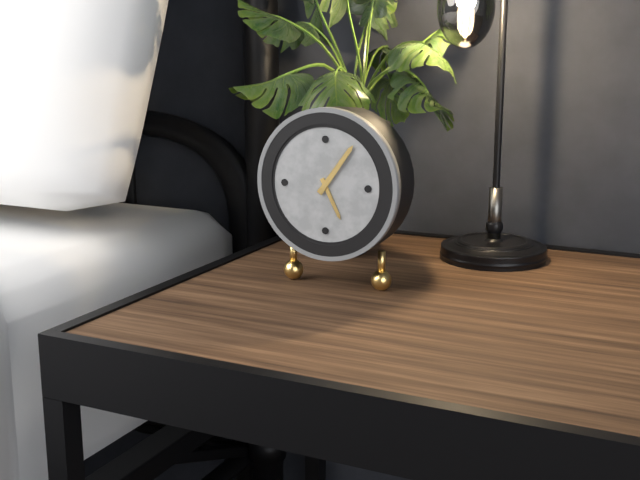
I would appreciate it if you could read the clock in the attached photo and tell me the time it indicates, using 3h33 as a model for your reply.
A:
5h06
